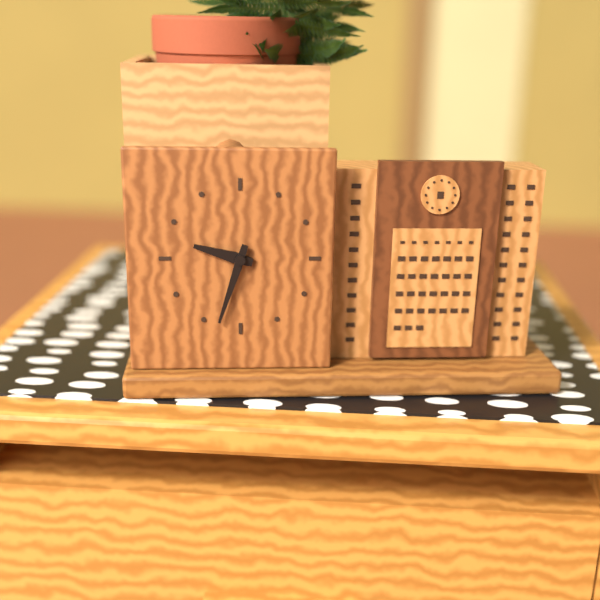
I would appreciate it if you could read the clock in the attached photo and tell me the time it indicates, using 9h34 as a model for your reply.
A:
9h33
